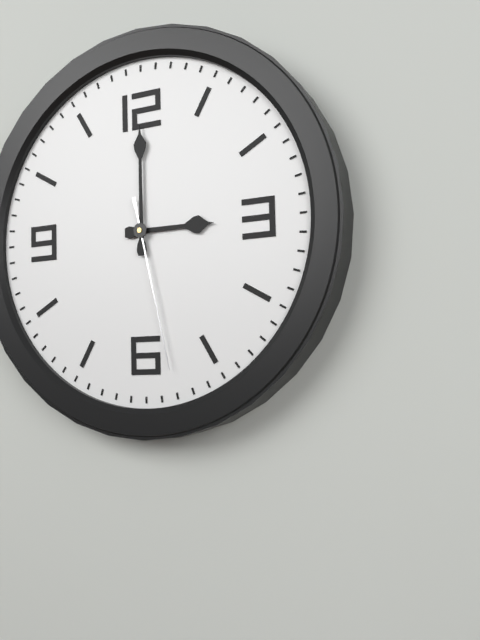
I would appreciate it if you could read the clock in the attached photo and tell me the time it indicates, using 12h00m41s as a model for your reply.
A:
3h00m28s
